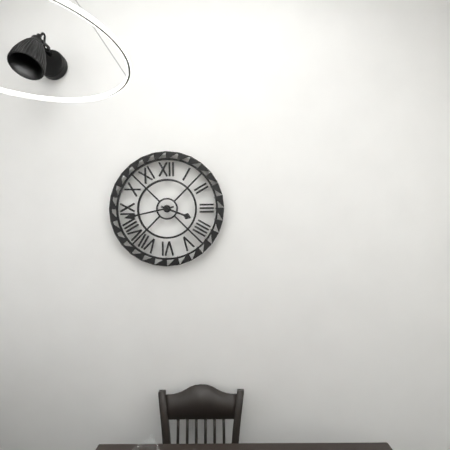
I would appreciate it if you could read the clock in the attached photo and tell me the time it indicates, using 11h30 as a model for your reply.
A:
3h43
